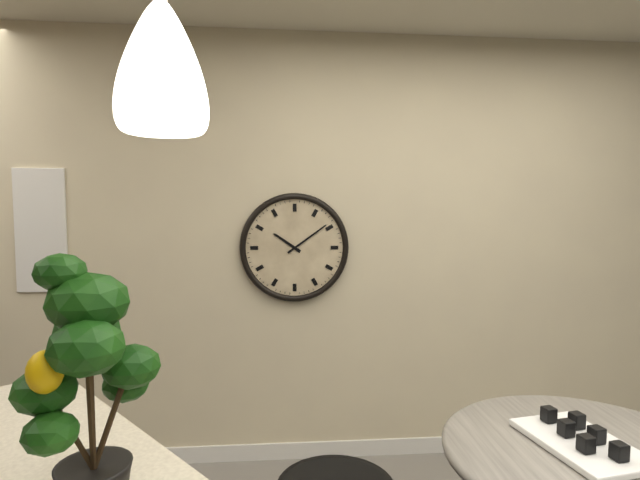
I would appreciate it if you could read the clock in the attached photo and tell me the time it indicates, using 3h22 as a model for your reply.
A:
10h09
